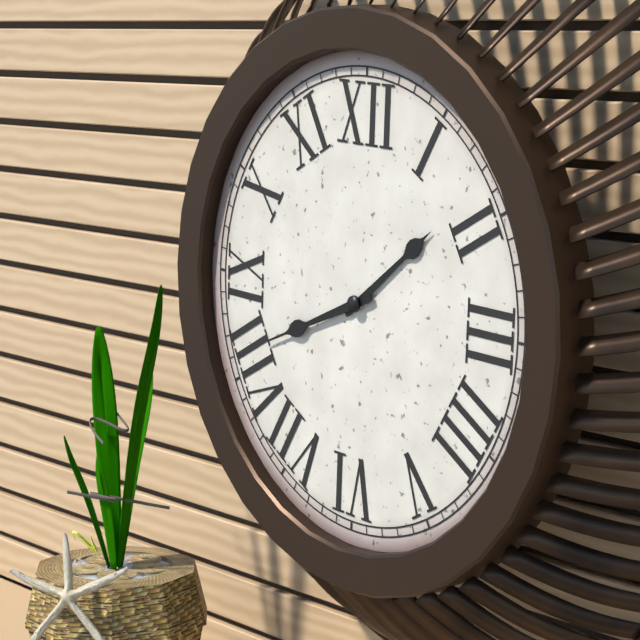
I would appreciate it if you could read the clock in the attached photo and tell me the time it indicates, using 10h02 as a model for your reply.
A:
1h41
